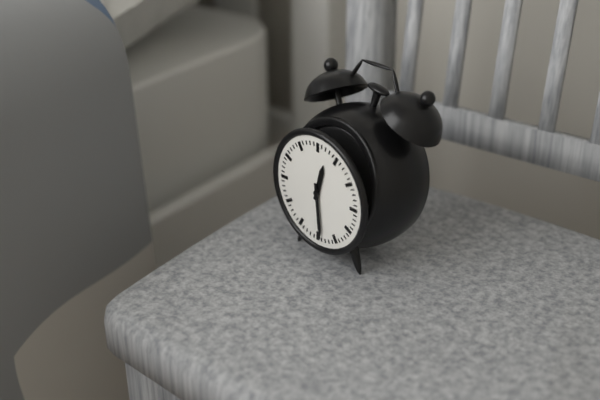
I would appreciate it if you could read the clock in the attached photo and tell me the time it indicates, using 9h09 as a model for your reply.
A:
12h29
